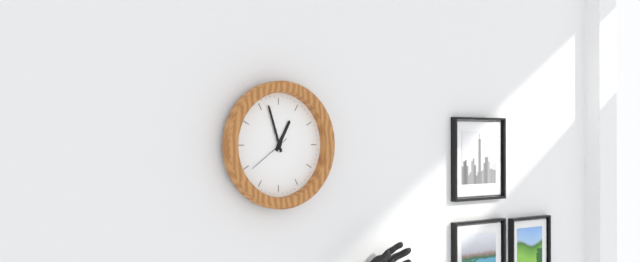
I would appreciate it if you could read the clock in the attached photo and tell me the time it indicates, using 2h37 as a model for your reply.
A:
12h57
